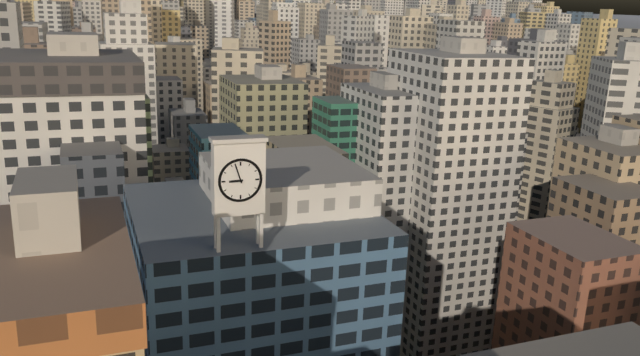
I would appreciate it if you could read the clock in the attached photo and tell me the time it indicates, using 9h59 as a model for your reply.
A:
8h57
